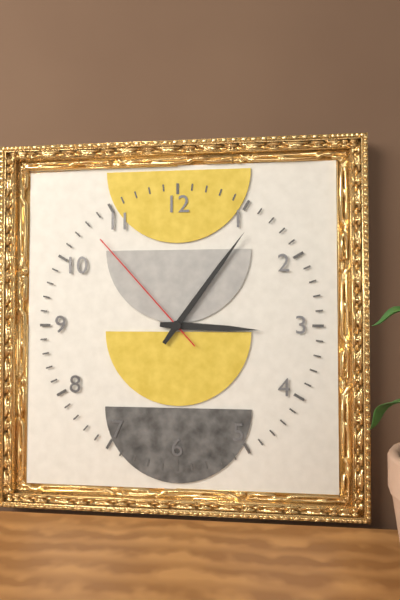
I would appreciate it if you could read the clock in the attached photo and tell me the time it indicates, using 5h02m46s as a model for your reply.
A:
3h06m53s
